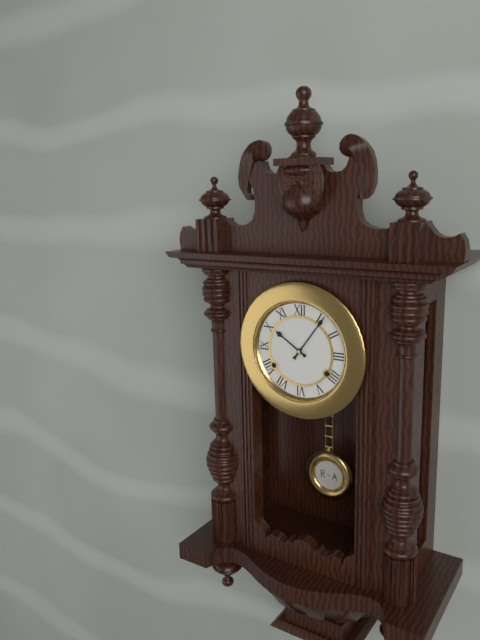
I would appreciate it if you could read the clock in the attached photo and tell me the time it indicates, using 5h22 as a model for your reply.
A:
10h06
